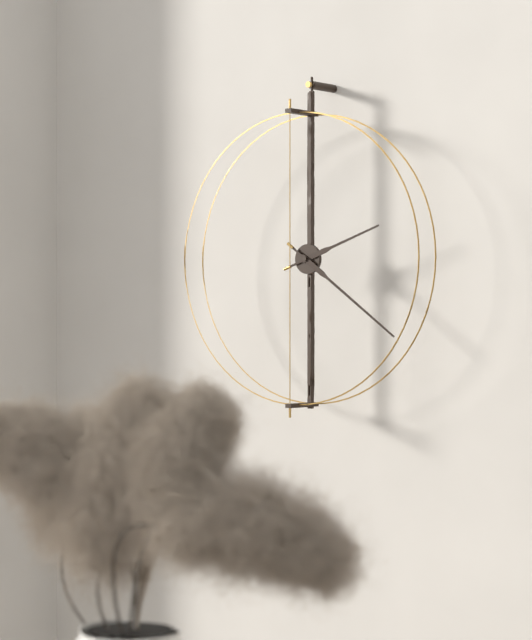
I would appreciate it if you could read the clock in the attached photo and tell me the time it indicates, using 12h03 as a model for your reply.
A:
2h21
